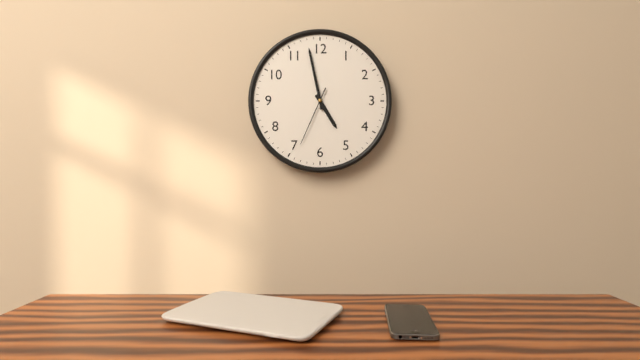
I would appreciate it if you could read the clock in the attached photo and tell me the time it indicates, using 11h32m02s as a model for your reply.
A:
4h58m34s
